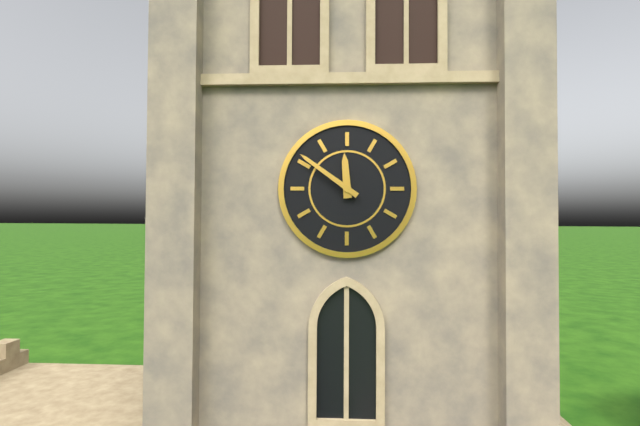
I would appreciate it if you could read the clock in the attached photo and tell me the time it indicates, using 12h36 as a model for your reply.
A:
11h51
